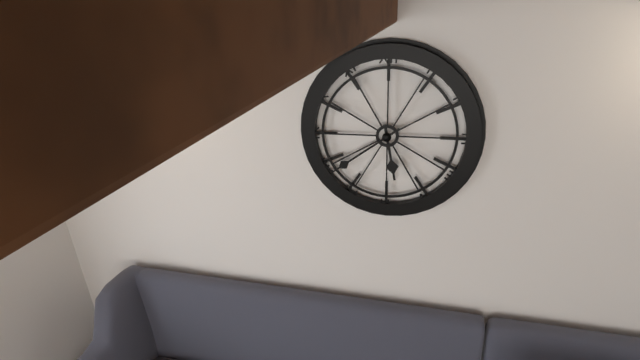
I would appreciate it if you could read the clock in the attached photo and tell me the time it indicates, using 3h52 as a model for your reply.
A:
5h39
